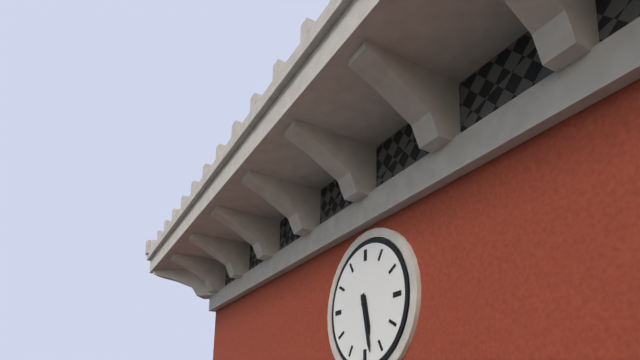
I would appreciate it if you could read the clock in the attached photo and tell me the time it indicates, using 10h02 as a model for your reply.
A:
5h28
